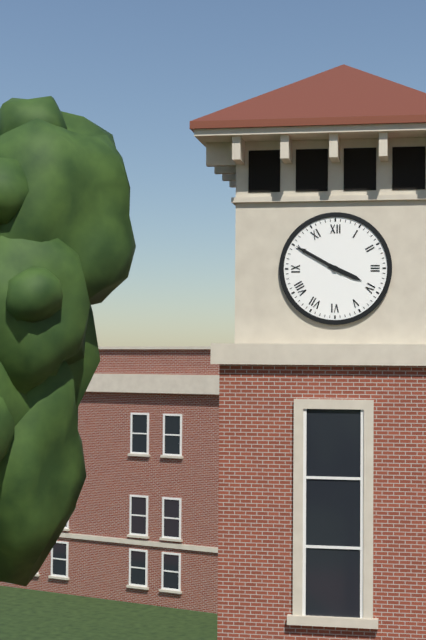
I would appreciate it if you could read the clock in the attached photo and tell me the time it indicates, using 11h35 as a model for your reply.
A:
3h50
